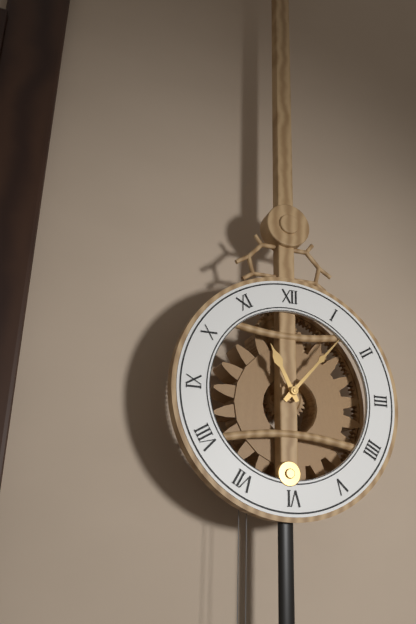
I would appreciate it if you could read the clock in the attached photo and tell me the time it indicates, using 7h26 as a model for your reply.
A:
11h07
